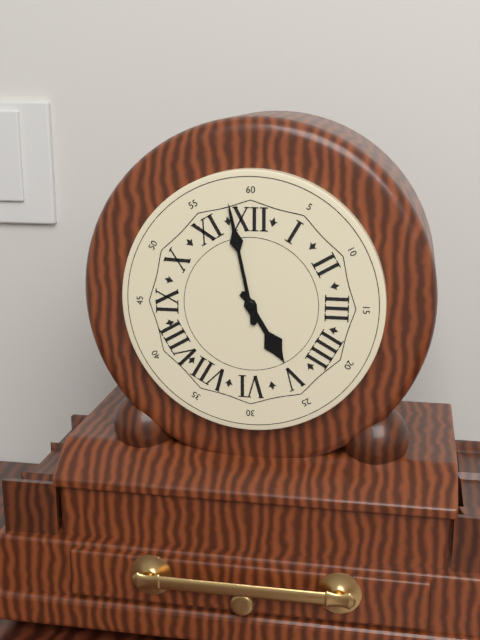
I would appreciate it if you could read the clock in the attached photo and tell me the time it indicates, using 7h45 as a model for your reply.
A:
4h58
